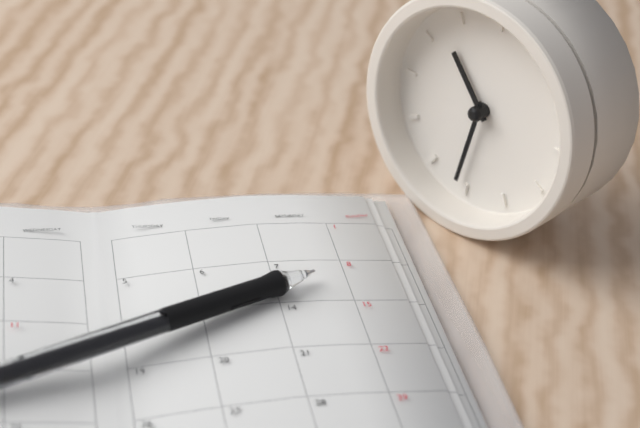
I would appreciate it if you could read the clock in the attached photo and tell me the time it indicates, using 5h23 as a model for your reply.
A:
10h31
